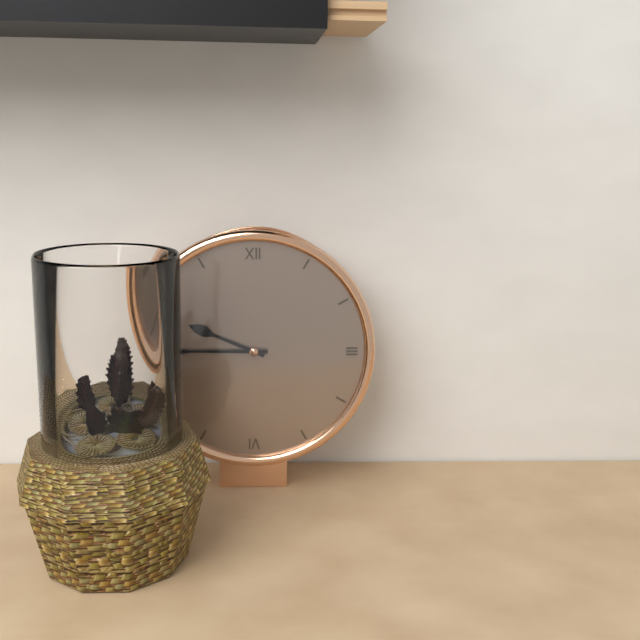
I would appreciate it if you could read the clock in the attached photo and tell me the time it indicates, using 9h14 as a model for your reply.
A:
9h45
